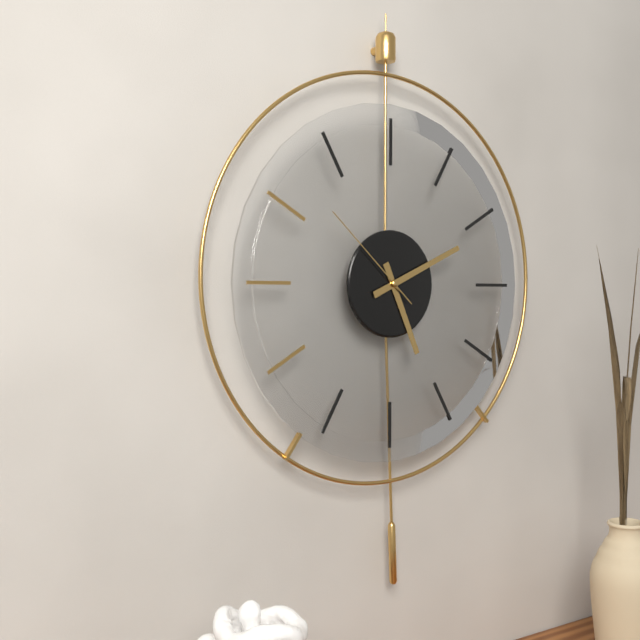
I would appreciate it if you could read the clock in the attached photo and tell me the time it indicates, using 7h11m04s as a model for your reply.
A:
5h11m52s
